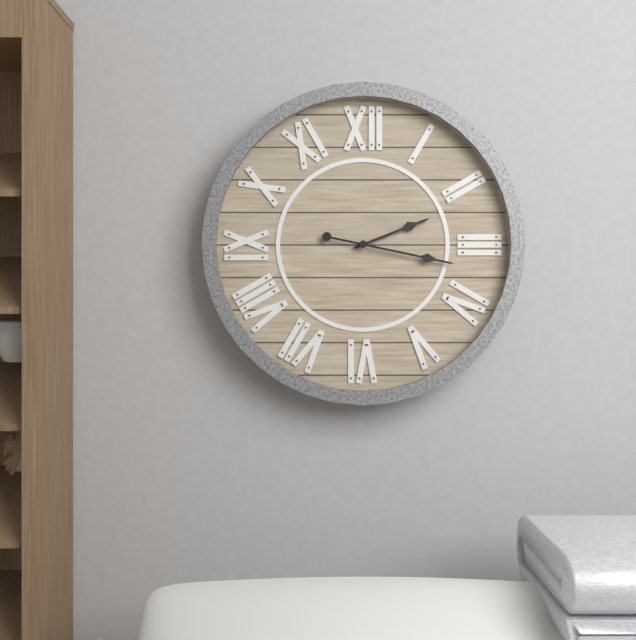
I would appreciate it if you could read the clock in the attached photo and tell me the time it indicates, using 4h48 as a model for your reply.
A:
2h17
